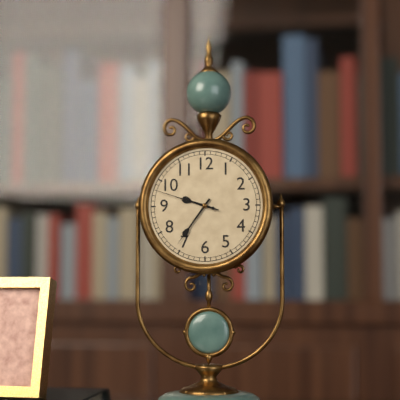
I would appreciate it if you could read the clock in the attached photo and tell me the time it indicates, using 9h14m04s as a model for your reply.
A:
9h36m48s
